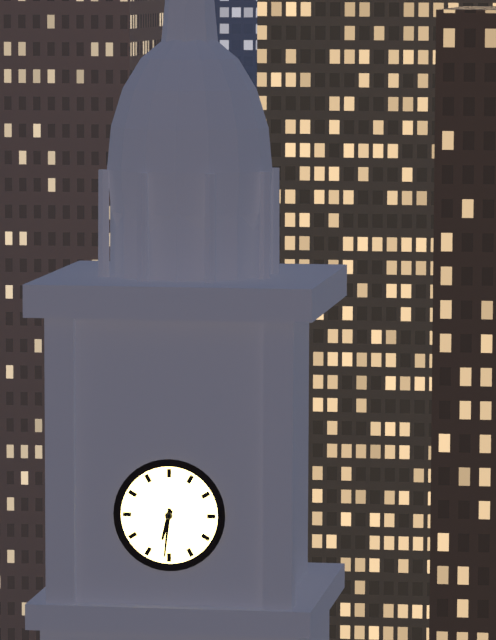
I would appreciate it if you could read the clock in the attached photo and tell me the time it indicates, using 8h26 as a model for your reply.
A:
6h31
